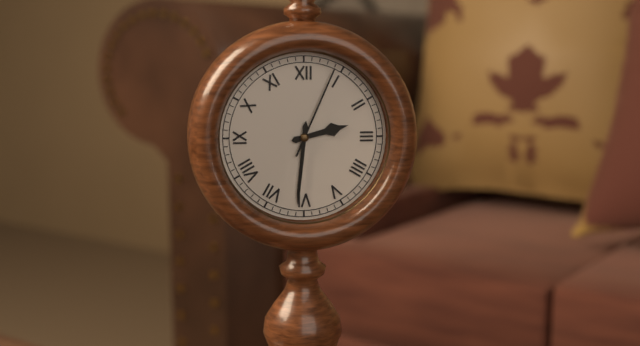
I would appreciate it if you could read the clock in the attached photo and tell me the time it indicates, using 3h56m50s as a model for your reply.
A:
2h31m04s
